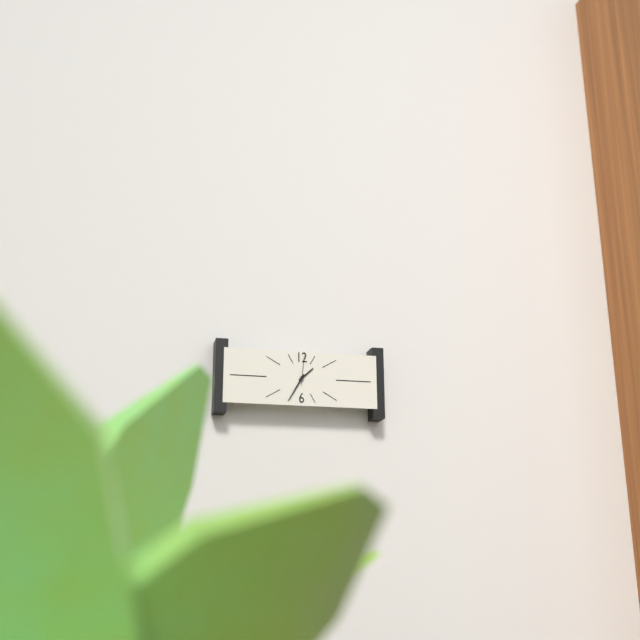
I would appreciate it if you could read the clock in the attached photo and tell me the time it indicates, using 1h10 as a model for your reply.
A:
1h35
